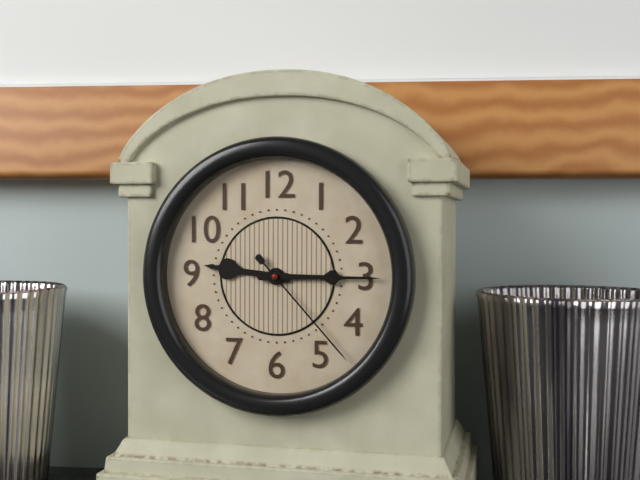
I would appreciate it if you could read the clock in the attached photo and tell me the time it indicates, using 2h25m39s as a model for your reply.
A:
9h15m23s
